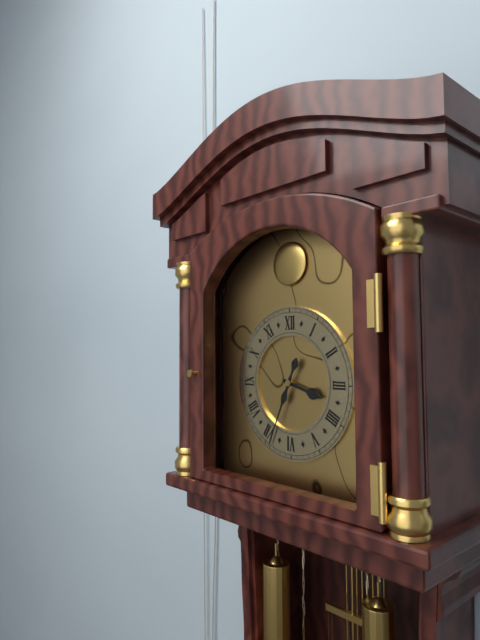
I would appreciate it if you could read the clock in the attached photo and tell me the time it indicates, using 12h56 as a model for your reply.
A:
3h34
